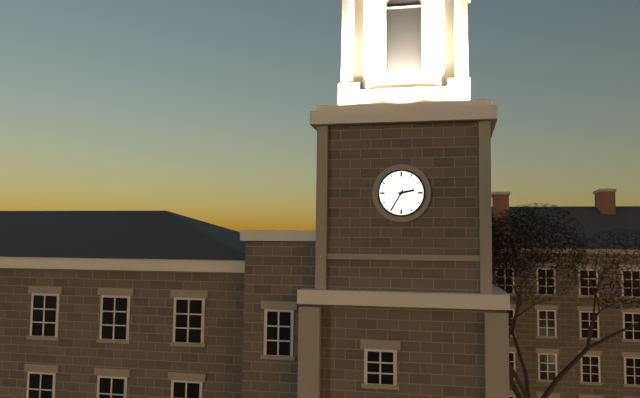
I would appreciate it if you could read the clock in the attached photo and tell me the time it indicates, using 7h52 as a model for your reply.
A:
2h35
